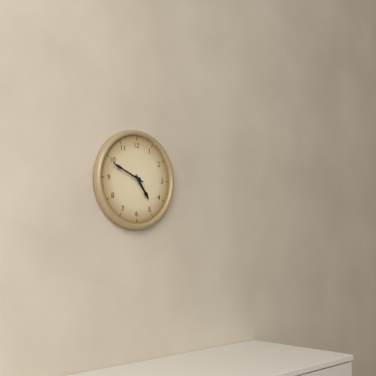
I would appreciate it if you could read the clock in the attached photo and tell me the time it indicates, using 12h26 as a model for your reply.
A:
4h49
